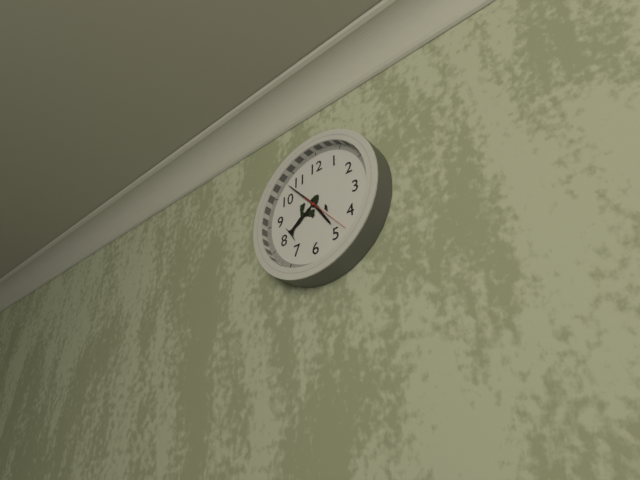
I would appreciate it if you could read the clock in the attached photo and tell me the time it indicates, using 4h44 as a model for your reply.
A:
4h53
